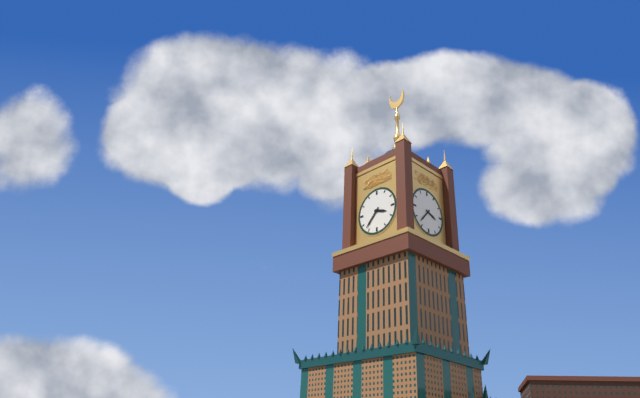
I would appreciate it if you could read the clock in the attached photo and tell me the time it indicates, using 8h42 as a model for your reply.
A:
3h37
